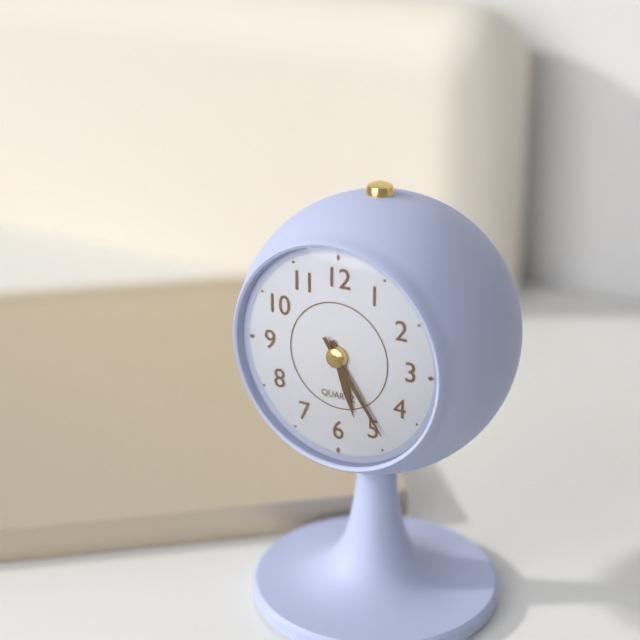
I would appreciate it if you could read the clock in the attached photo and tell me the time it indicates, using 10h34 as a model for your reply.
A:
5h24
